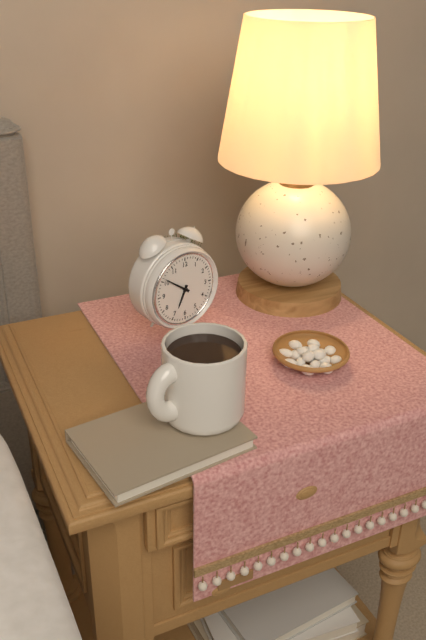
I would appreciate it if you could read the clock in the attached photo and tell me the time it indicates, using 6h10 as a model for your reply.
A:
6h51
